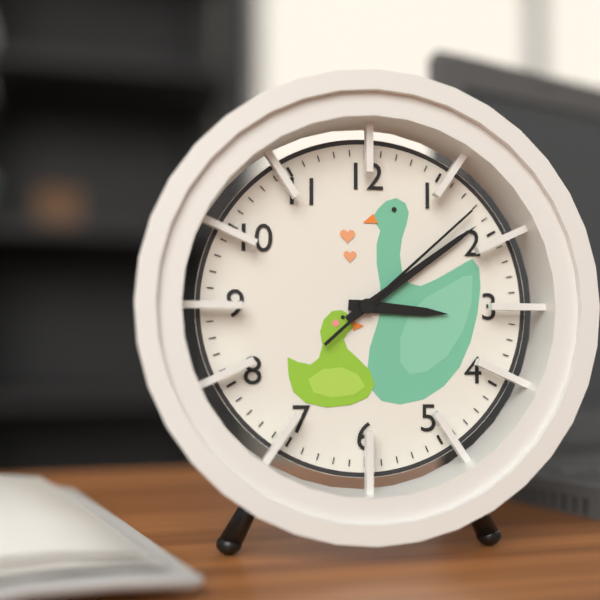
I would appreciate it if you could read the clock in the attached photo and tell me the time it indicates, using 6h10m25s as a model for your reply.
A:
3h09m08s
